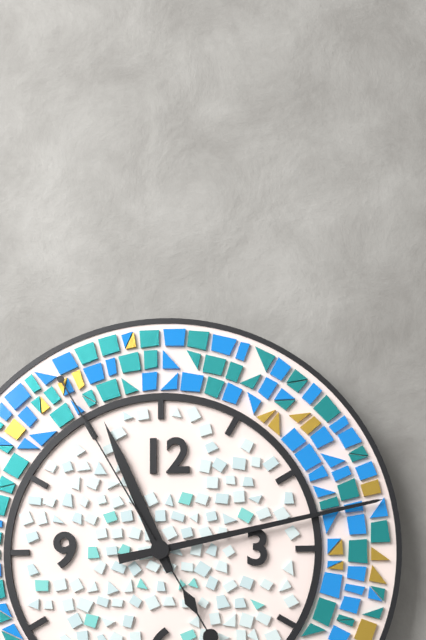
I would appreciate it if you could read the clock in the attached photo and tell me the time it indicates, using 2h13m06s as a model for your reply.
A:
11h13m55s
